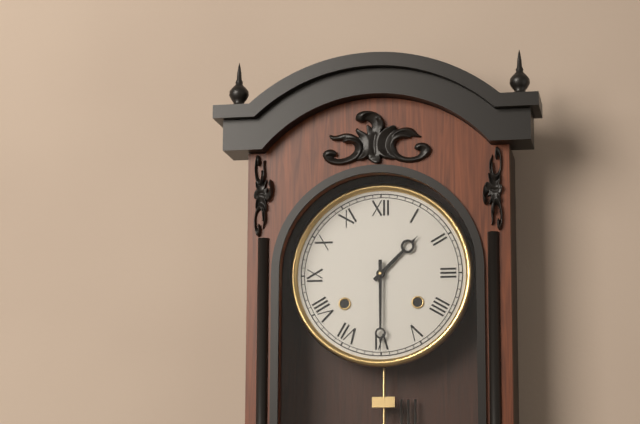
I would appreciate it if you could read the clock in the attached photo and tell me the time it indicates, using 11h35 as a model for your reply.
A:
1h30
